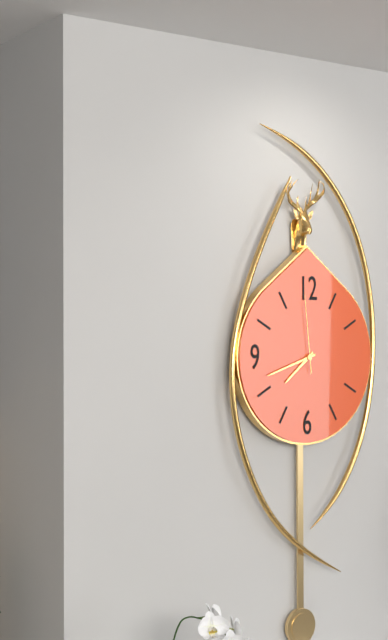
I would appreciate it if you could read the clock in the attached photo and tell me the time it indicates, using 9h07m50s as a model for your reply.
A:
7h42m59s
